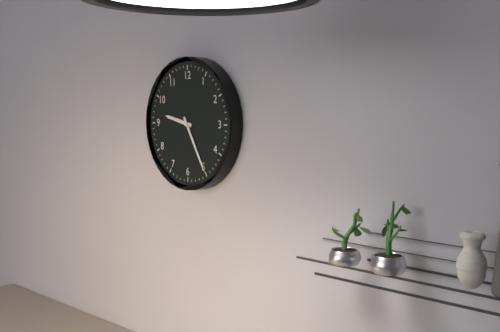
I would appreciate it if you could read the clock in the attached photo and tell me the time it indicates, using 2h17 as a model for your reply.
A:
9h25
